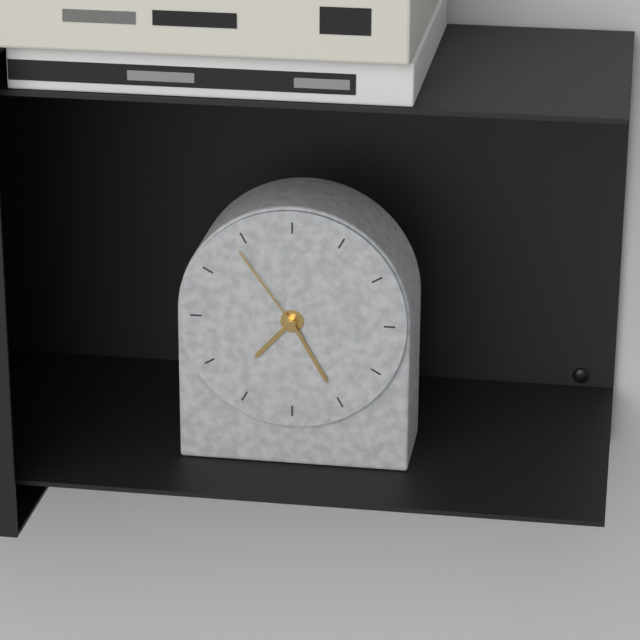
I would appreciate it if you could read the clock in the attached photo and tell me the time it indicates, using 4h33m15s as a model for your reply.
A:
7h25m54s
